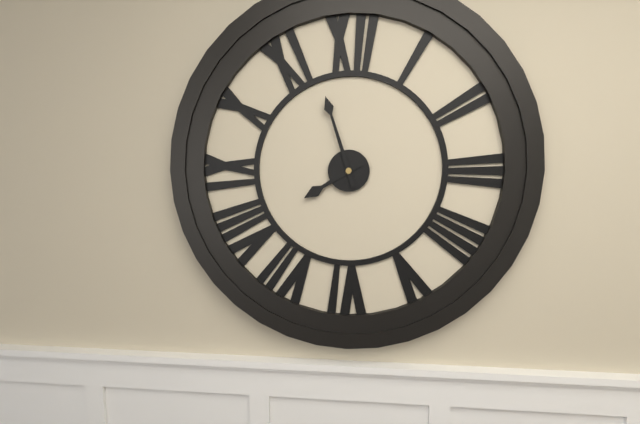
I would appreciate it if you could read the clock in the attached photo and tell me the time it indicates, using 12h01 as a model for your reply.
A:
7h57
